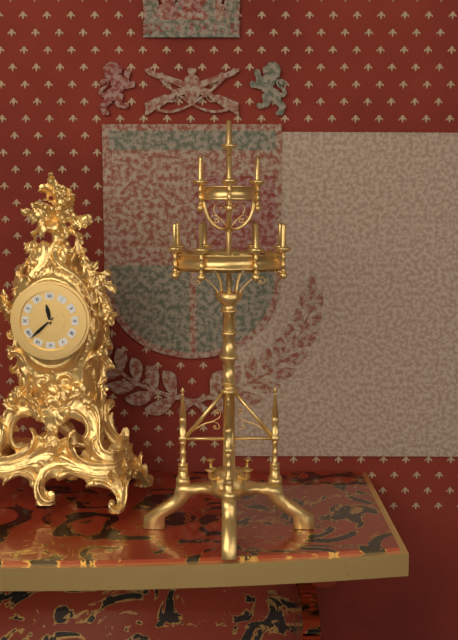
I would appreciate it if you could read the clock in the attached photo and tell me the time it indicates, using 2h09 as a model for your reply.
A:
11h38
